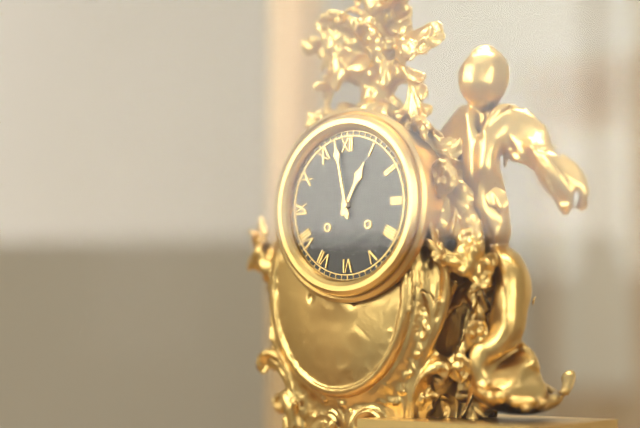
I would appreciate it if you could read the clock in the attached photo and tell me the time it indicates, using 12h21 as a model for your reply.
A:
12h58
